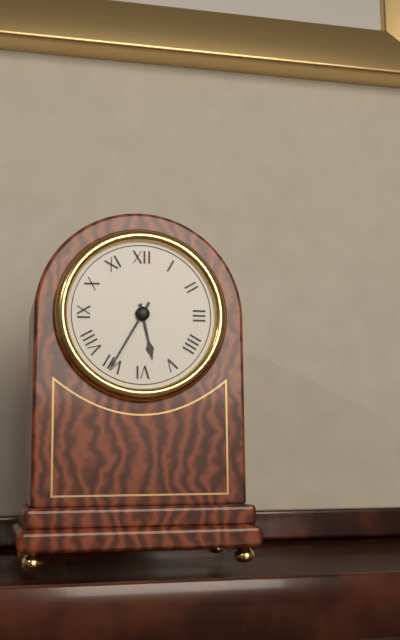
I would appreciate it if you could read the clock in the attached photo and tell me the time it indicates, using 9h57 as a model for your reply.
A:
5h35
